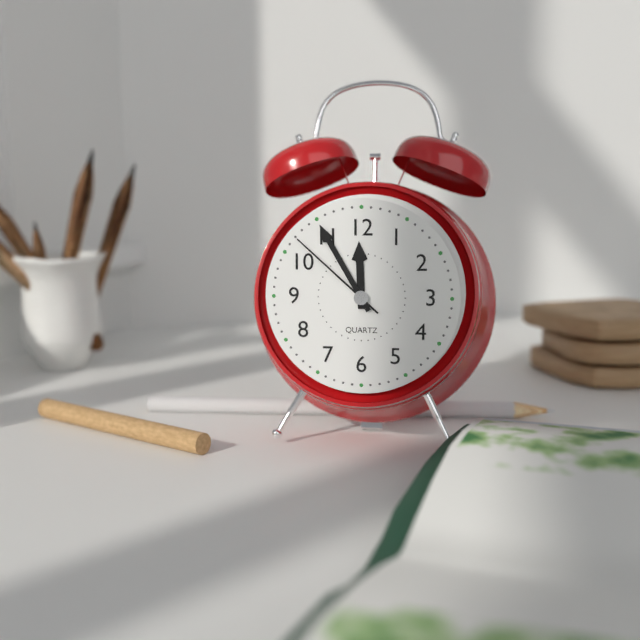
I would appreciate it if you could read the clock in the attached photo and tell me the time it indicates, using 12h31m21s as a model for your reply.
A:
11h55m52s
